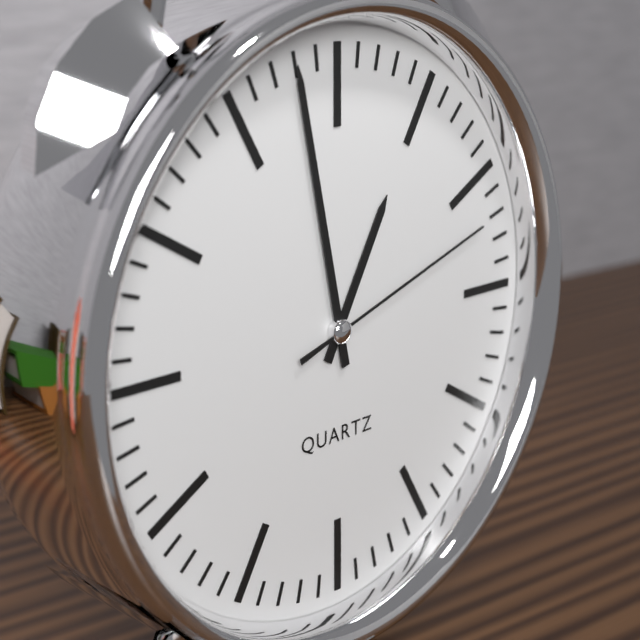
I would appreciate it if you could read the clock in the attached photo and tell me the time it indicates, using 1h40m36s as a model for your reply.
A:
12h58m12s
